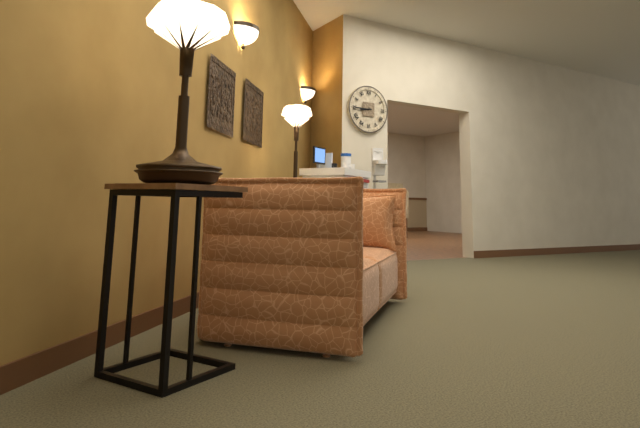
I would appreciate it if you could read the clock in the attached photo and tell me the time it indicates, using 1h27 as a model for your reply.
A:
8h45
